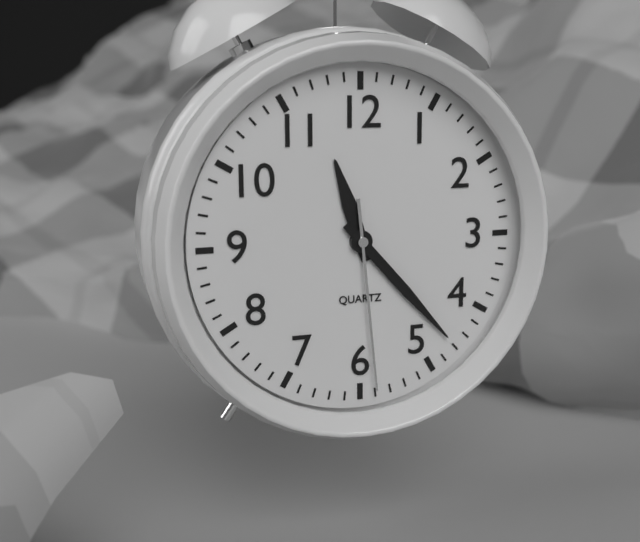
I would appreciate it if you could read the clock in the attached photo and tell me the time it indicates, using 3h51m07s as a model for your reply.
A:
11h23m29s
